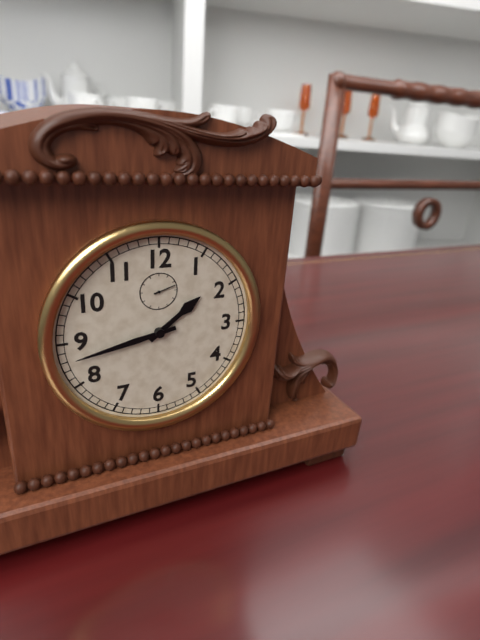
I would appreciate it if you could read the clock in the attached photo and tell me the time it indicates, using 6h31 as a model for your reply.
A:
1h43
